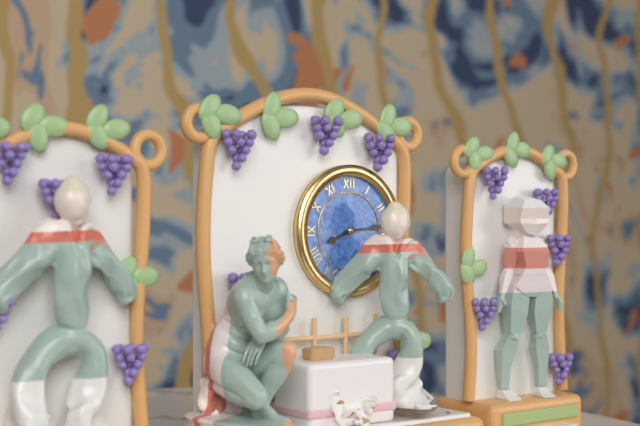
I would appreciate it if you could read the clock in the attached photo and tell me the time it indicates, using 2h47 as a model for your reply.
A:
8h14
